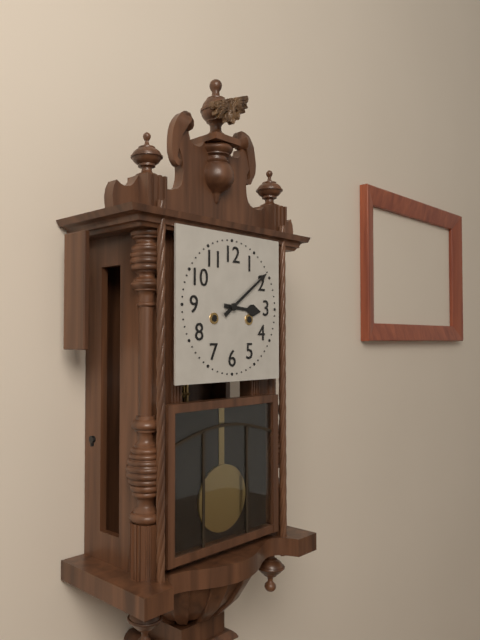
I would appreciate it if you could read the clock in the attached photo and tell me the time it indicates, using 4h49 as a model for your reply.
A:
3h09
